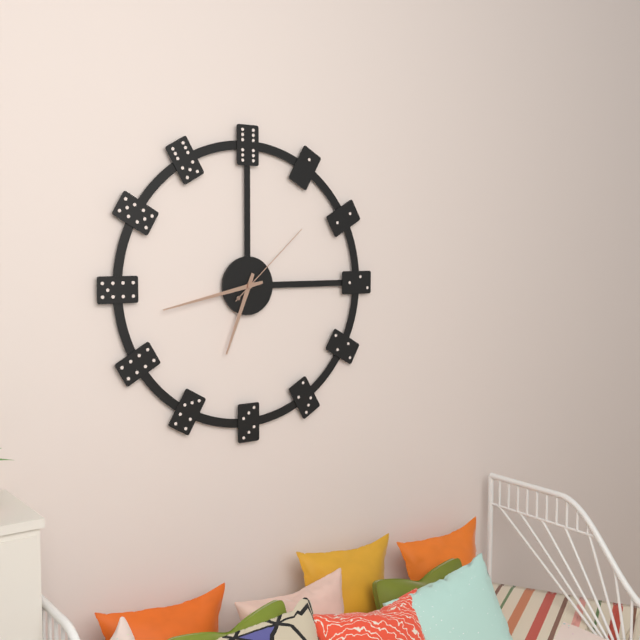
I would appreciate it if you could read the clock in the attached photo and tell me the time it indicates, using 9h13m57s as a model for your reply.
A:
6h43m08s
